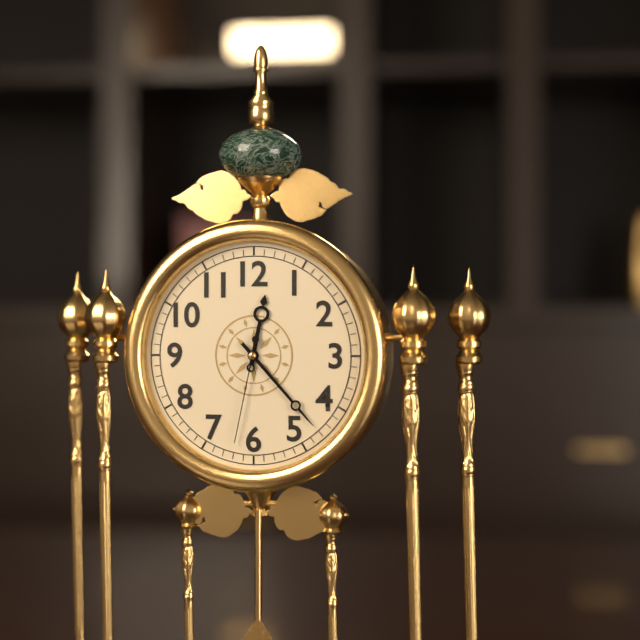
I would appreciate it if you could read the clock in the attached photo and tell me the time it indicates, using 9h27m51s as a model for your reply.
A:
12h23m32s
